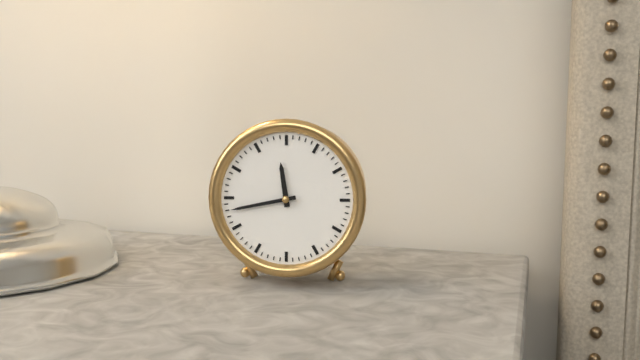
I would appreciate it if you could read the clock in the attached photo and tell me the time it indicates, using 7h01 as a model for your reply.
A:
11h43
